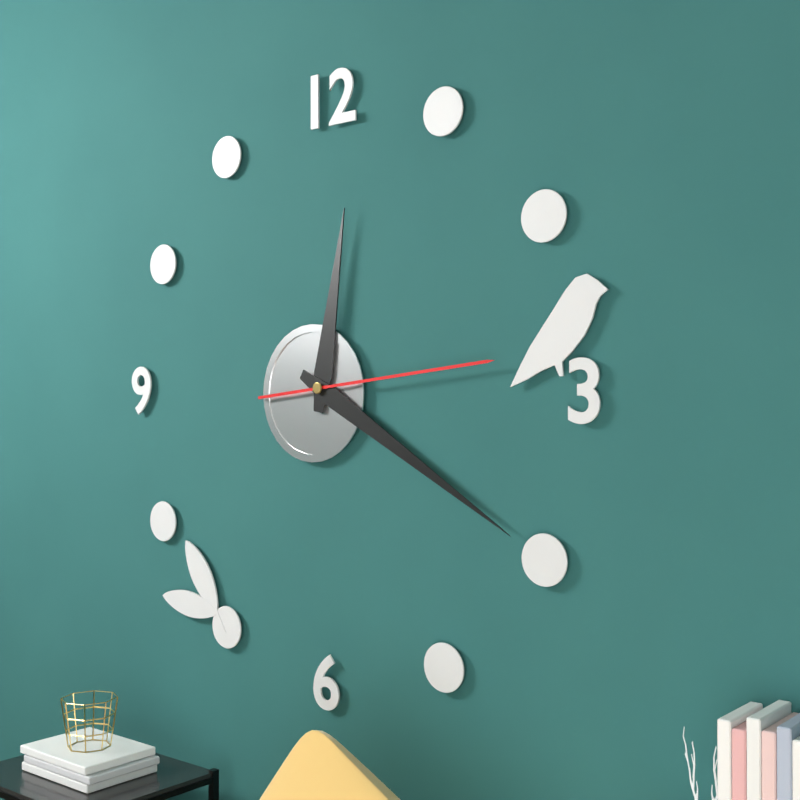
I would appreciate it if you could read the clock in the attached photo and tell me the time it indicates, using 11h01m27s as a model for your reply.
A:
12h20m14s
